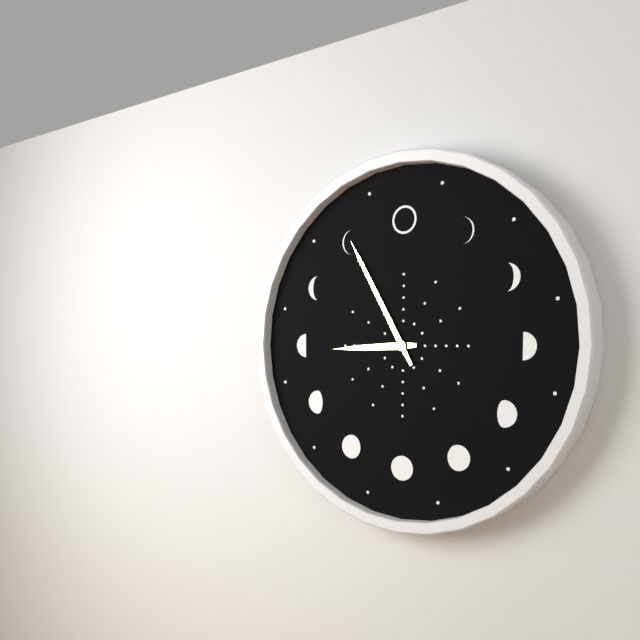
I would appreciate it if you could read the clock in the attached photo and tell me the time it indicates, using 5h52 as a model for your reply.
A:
8h55
